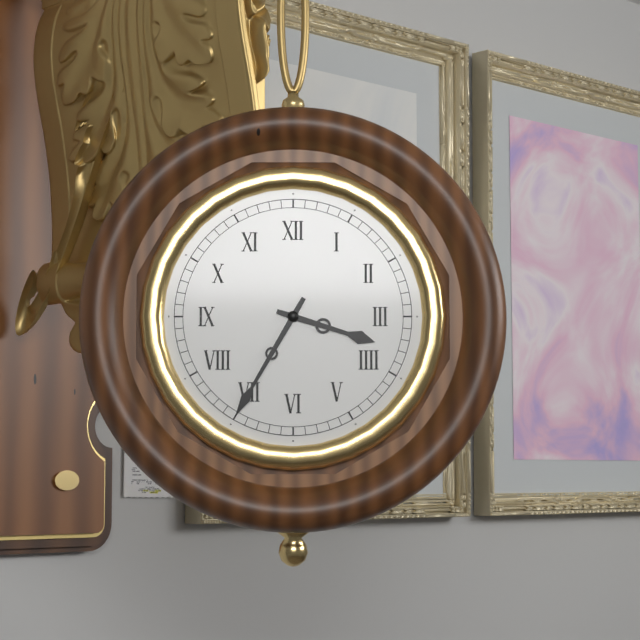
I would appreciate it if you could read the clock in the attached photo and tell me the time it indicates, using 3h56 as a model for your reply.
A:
3h35
